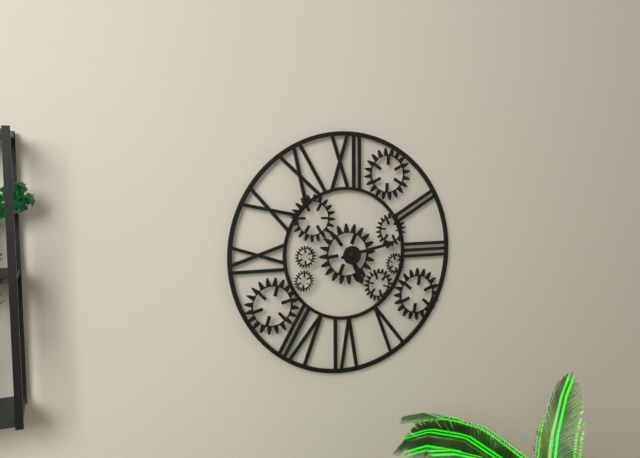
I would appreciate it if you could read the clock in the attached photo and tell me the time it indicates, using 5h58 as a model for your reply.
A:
5h13
